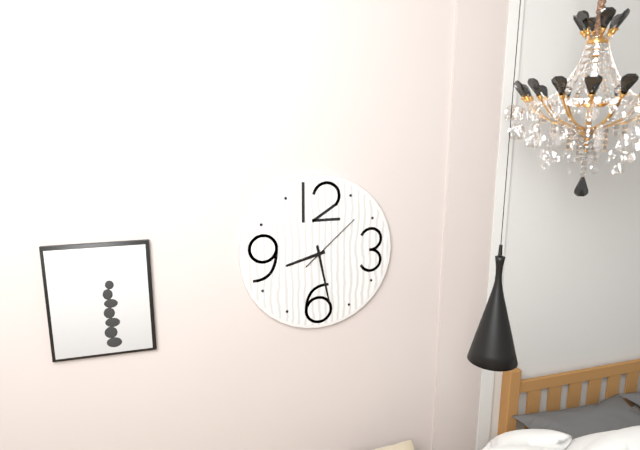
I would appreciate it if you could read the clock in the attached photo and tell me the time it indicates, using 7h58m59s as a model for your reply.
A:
8h28m08s
